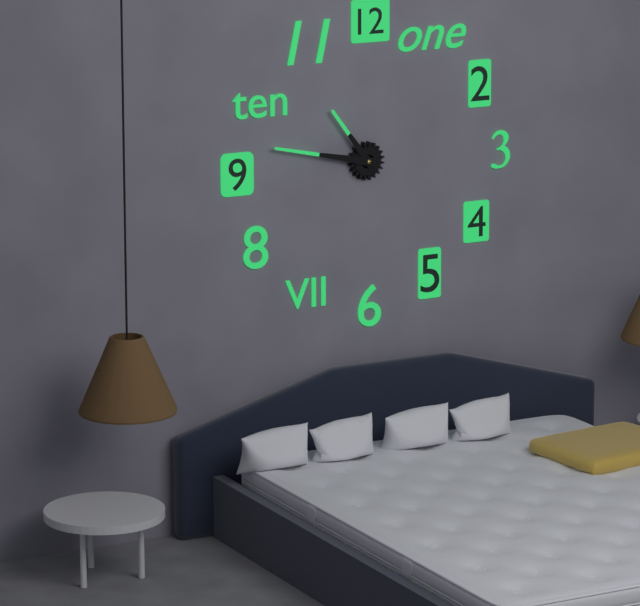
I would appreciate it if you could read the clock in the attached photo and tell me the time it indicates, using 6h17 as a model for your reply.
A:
10h47
